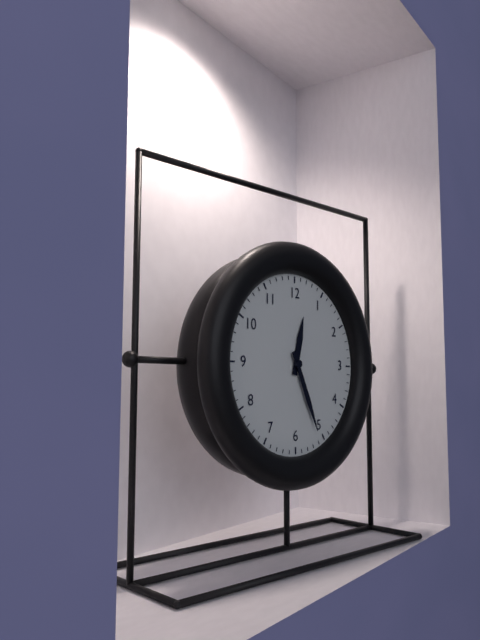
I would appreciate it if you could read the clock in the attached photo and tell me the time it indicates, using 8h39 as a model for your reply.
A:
12h26
